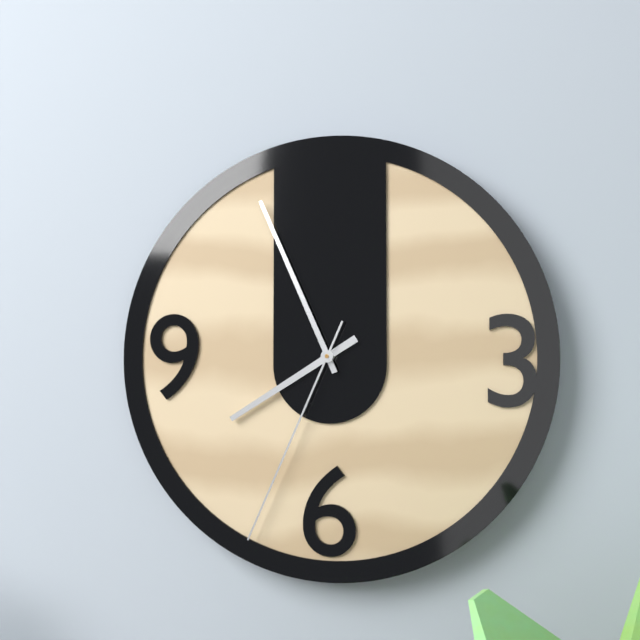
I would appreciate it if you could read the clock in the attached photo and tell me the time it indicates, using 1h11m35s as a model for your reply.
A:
7h56m34s
